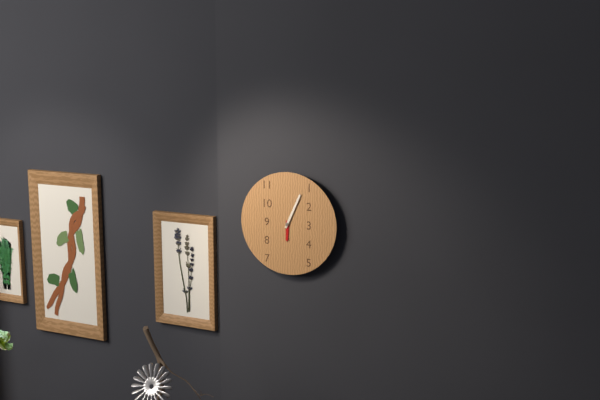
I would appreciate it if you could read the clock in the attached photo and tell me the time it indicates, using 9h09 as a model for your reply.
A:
6h04
